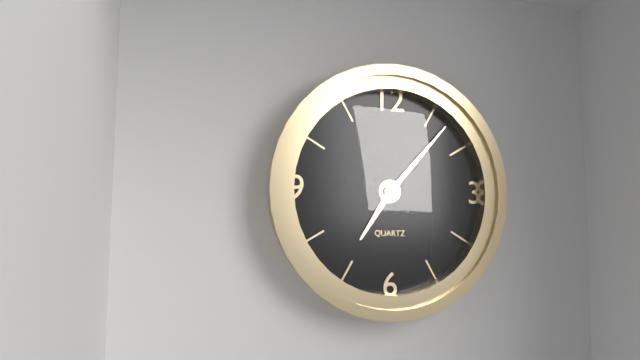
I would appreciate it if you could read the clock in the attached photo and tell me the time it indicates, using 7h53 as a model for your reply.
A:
7h07
